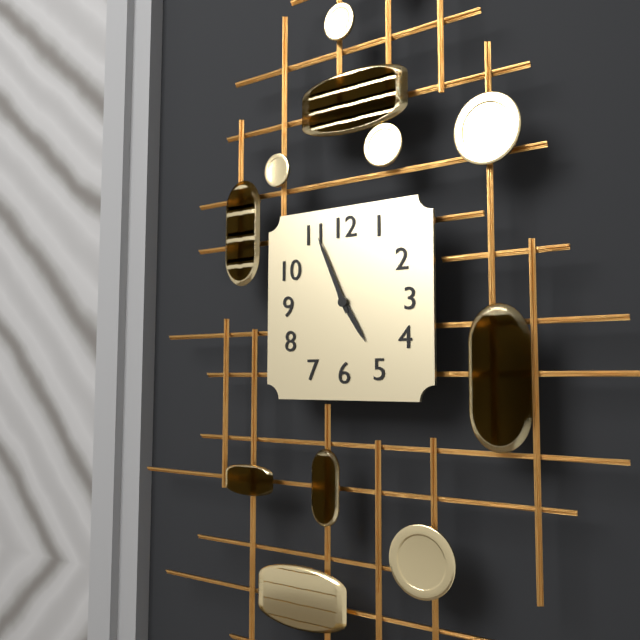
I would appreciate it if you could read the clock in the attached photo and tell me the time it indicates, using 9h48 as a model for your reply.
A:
4h56
